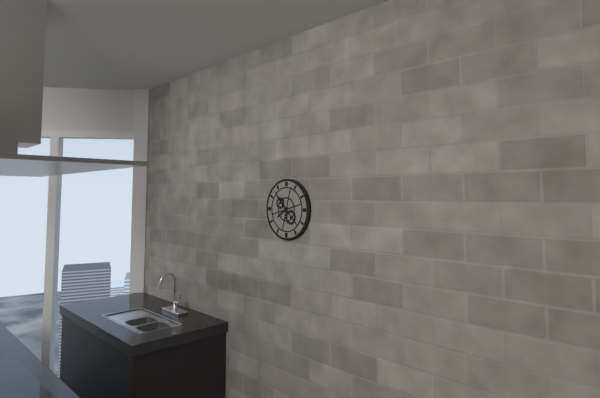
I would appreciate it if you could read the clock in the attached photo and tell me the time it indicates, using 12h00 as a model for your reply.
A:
7h53
